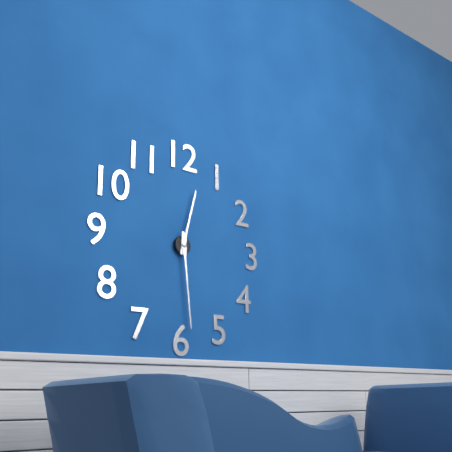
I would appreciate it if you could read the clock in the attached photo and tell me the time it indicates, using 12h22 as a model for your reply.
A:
12h29
